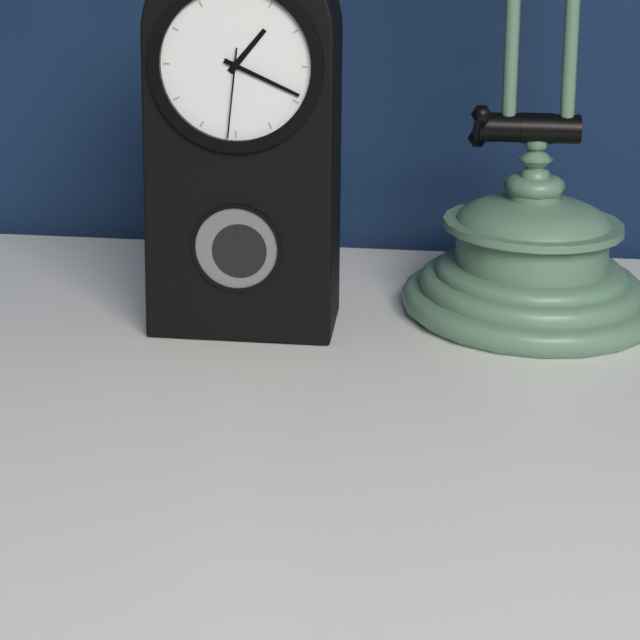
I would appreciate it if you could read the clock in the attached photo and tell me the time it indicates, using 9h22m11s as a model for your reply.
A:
1h19m31s
